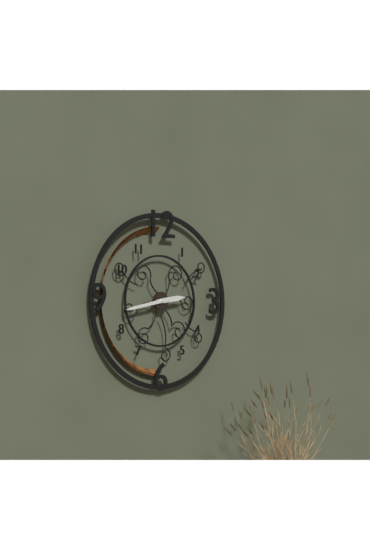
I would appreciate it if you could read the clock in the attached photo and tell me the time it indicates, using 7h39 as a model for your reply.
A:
2h43
